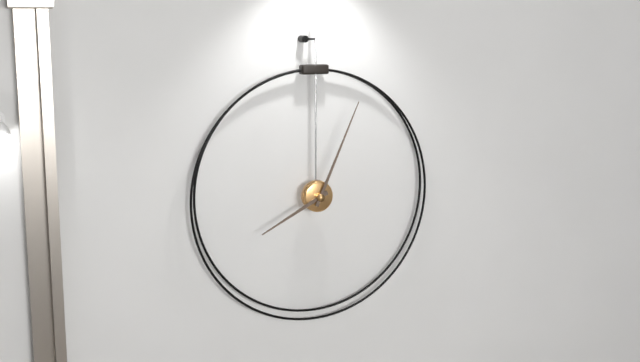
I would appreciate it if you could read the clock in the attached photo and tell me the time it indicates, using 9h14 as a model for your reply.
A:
8h04
